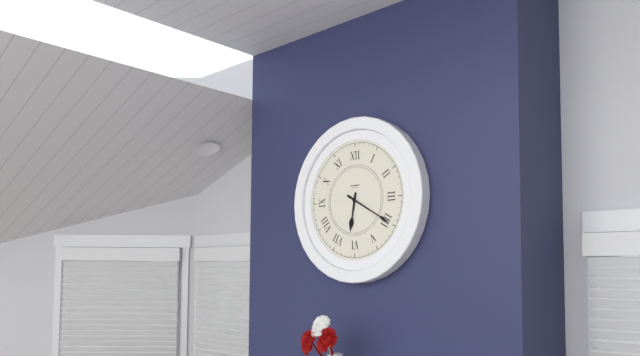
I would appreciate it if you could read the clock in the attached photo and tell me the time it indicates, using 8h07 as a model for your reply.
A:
6h20
